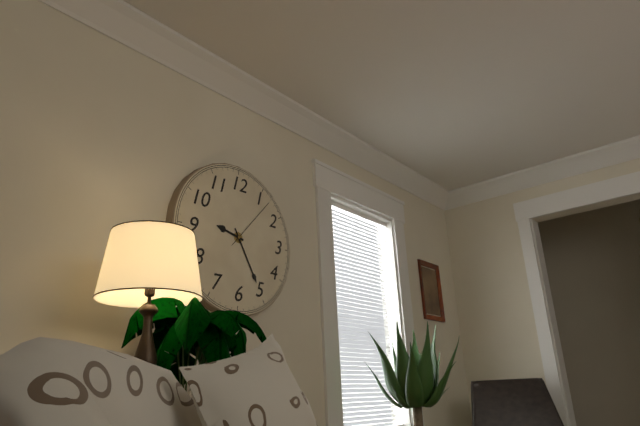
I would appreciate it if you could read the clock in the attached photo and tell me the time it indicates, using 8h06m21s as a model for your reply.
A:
9h25m07s
